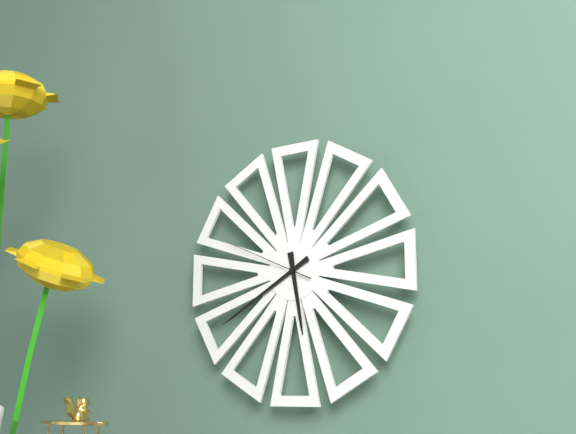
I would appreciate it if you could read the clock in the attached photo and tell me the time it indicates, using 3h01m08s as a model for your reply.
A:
5h40m49s
